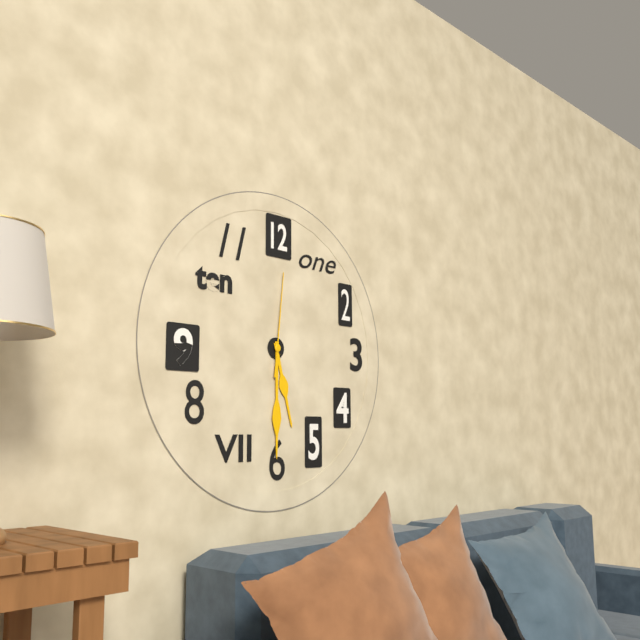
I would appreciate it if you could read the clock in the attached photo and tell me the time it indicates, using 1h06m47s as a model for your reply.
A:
5h30m01s
